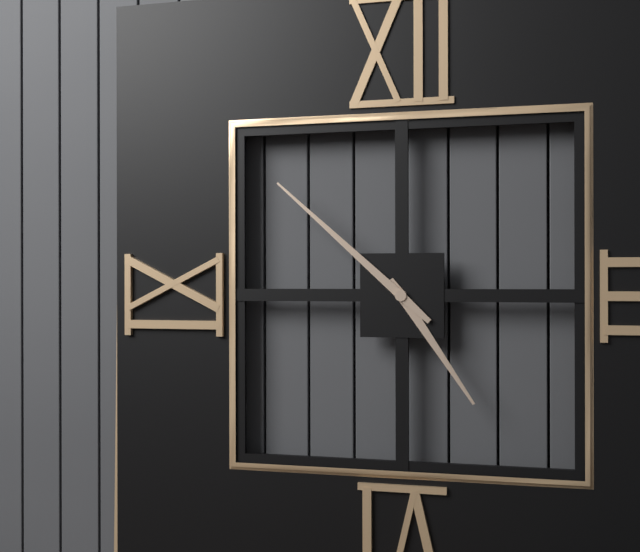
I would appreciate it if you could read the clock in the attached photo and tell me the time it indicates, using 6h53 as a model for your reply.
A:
4h52
